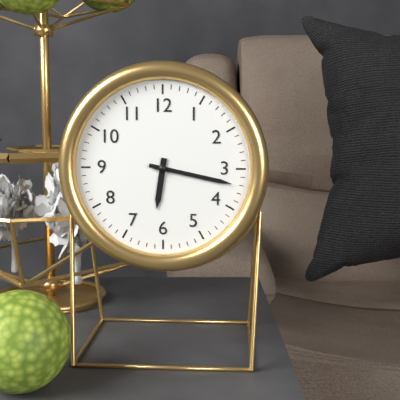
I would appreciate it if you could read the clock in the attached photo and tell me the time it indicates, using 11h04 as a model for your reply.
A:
6h17
